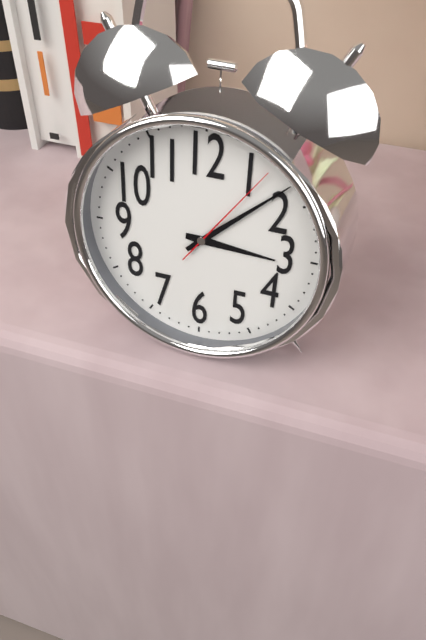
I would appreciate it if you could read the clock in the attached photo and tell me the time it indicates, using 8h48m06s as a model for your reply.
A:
3h08m06s
